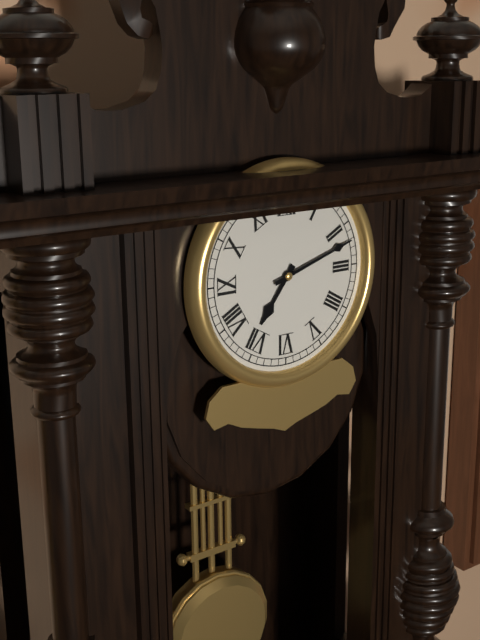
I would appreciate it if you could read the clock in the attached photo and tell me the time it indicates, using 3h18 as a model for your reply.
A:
7h12
